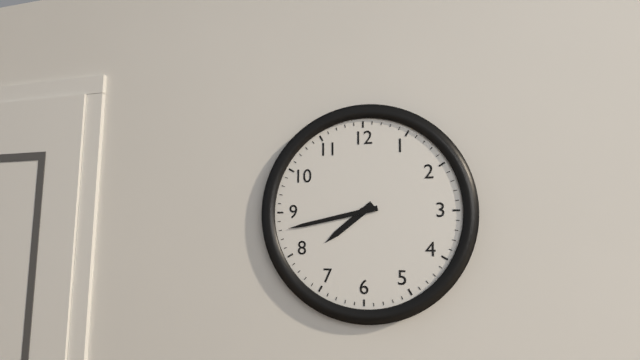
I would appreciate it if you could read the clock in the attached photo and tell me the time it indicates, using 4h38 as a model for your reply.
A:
7h43
